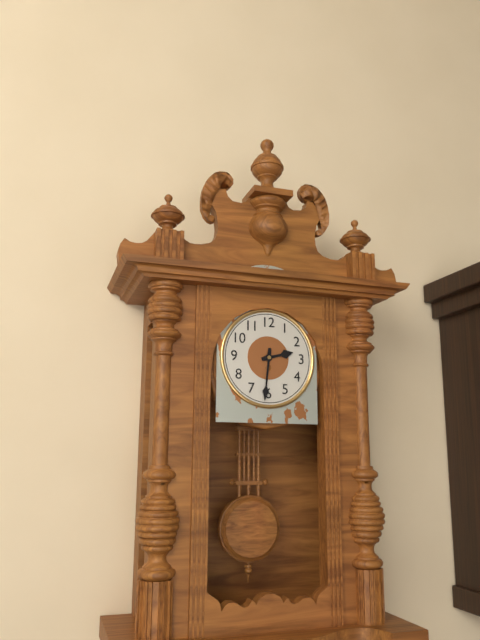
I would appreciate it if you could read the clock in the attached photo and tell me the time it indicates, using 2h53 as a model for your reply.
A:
2h31
